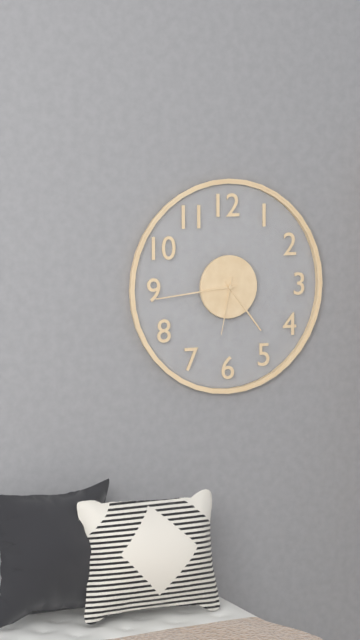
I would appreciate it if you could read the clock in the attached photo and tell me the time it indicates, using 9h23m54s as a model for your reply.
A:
4h44m32s
